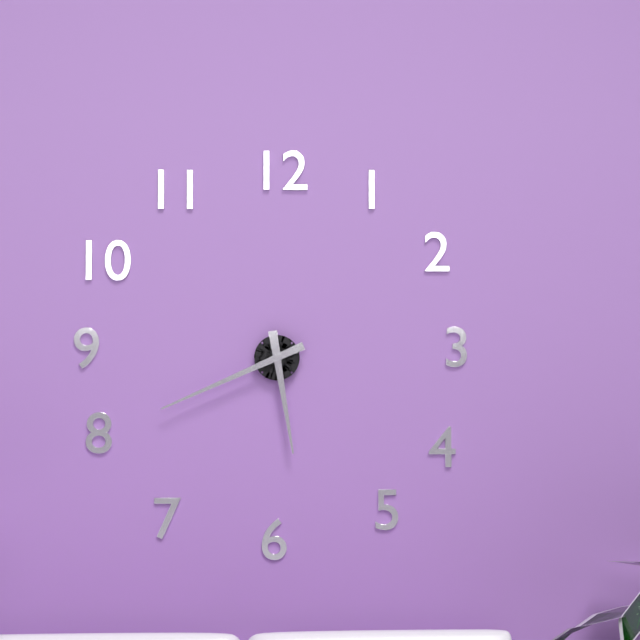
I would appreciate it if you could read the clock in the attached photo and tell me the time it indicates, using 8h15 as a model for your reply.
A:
5h41
